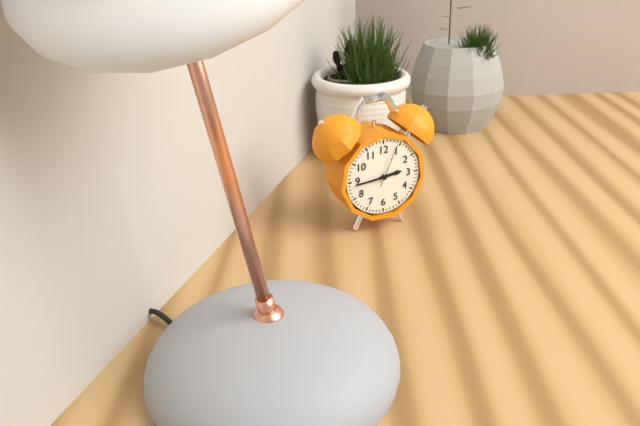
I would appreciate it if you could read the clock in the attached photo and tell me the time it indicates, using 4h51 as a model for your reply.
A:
2h44
